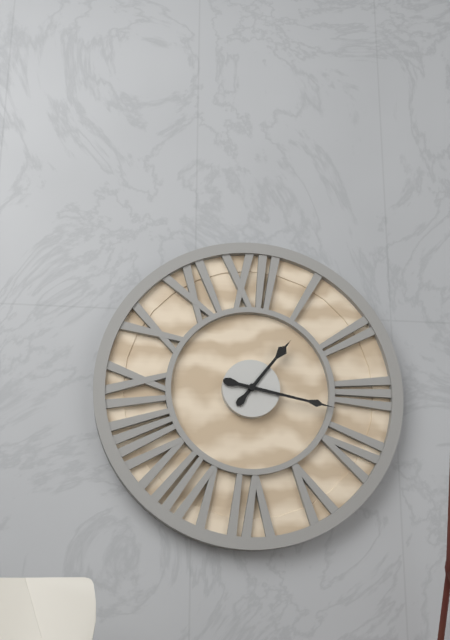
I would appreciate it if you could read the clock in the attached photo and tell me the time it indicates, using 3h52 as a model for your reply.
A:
1h17
